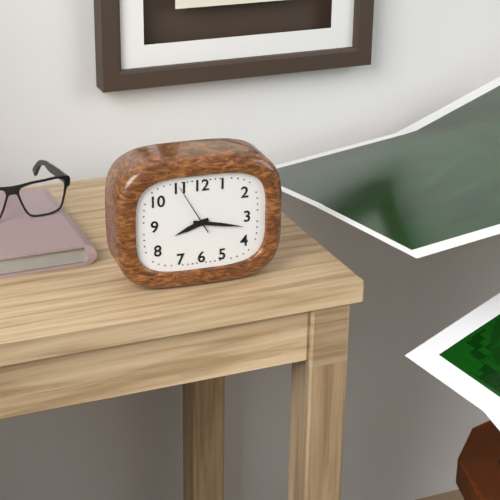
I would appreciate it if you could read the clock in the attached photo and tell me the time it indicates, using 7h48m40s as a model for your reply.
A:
8h17m55s
